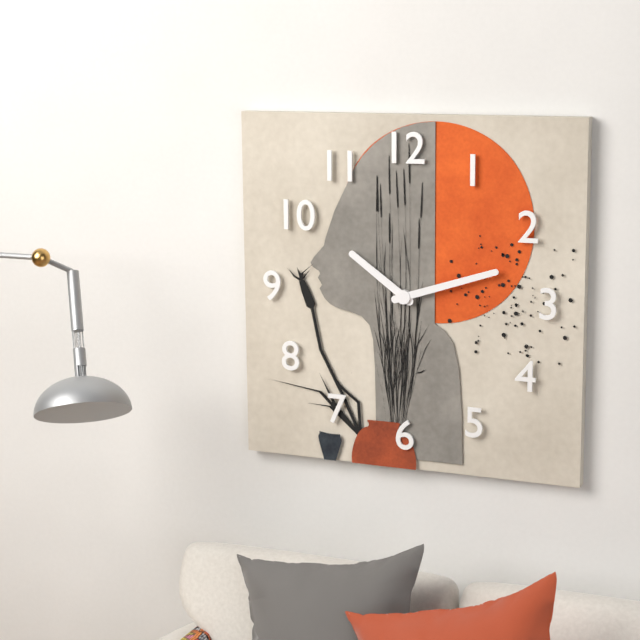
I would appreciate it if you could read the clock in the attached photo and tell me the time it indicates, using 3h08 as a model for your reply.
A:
10h12
